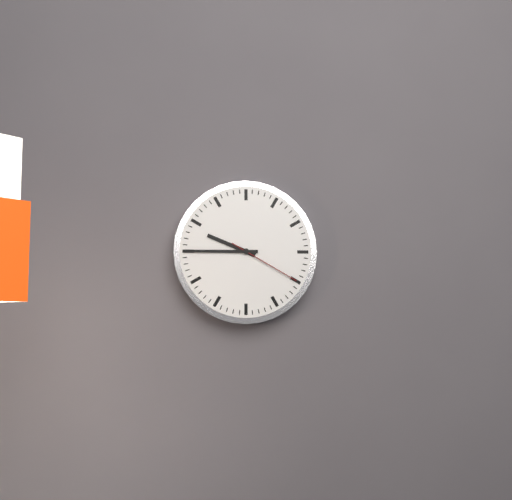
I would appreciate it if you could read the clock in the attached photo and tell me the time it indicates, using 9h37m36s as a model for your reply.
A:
9h45m20s
